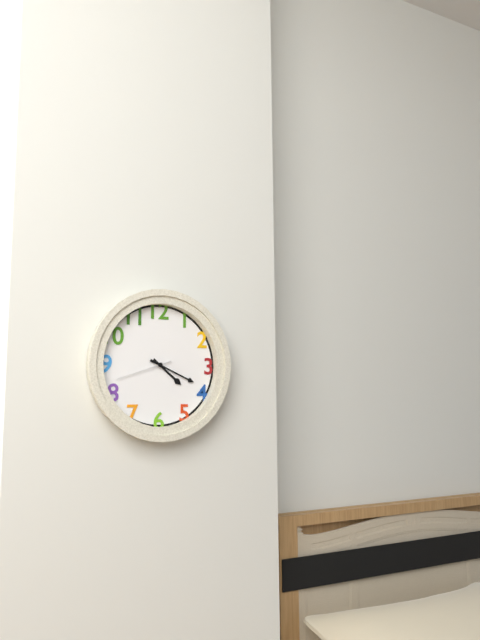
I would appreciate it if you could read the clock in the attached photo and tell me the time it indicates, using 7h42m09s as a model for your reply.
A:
4h19m42s
